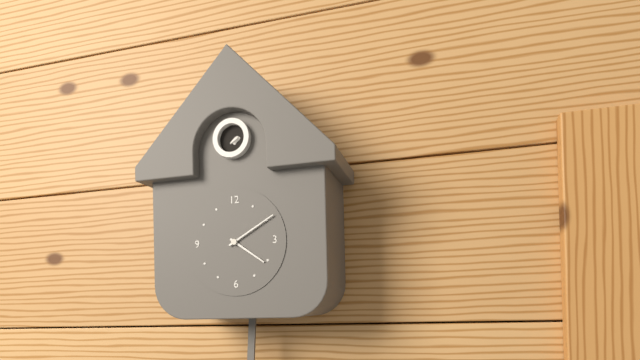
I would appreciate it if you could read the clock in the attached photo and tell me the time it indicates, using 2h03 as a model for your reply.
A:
4h10
